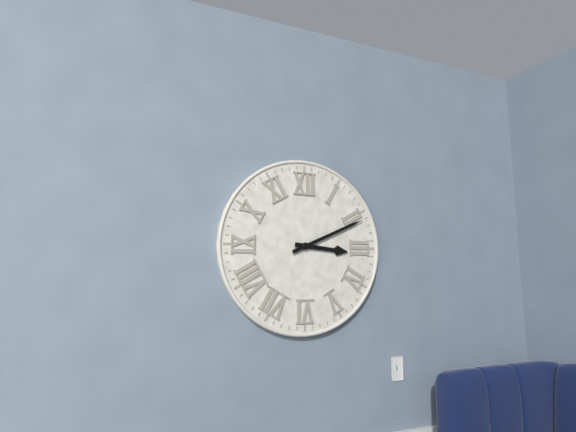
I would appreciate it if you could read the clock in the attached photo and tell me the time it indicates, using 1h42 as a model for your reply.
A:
3h11
